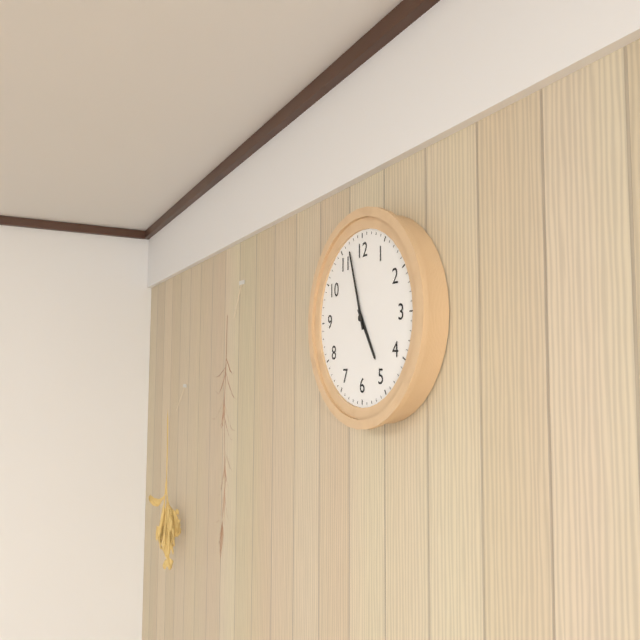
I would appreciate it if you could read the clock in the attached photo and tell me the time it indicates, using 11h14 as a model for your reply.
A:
4h57
